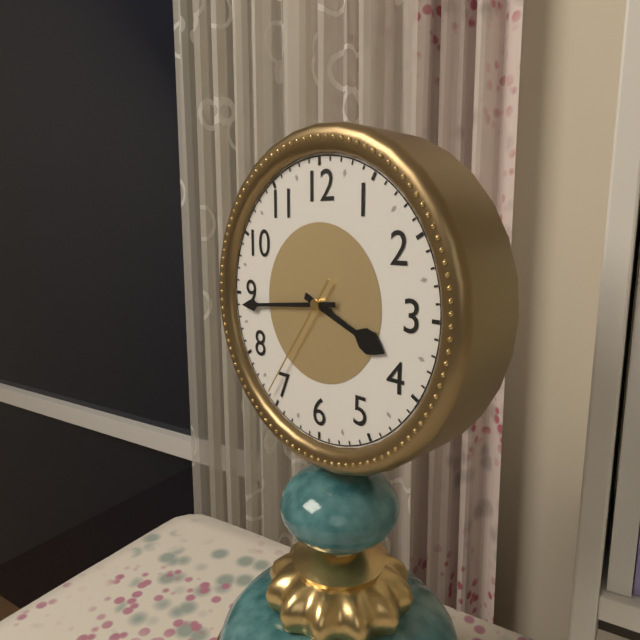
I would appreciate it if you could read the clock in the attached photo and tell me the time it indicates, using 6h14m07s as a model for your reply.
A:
3h44m36s
